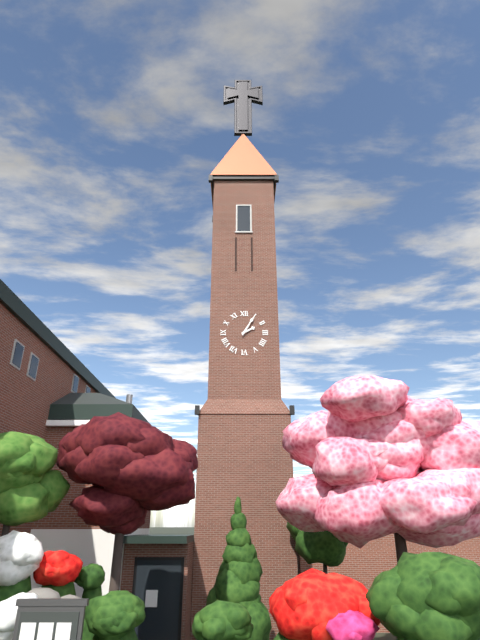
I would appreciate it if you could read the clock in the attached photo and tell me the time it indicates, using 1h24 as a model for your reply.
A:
2h05
